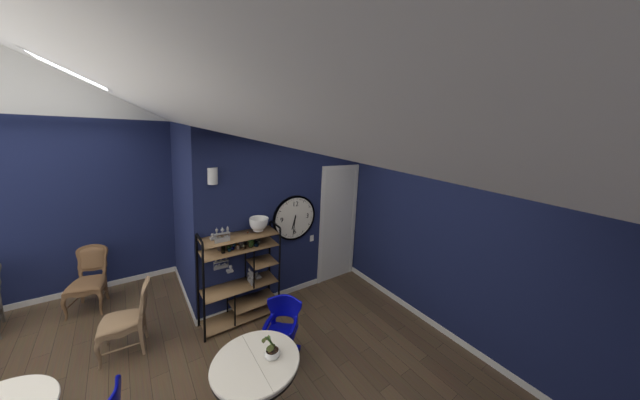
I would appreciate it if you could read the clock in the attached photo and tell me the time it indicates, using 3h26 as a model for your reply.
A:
6h31
